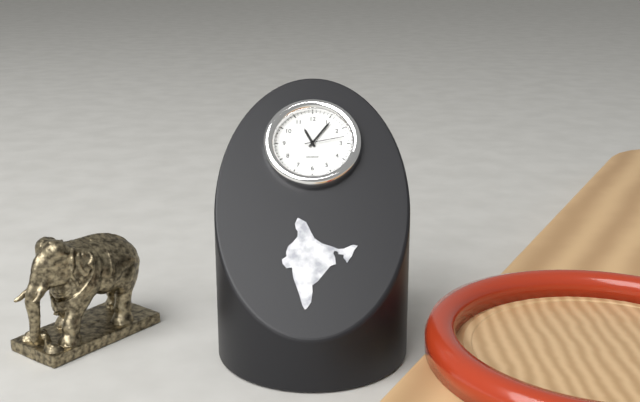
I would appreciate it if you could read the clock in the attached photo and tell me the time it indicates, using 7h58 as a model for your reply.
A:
11h06
